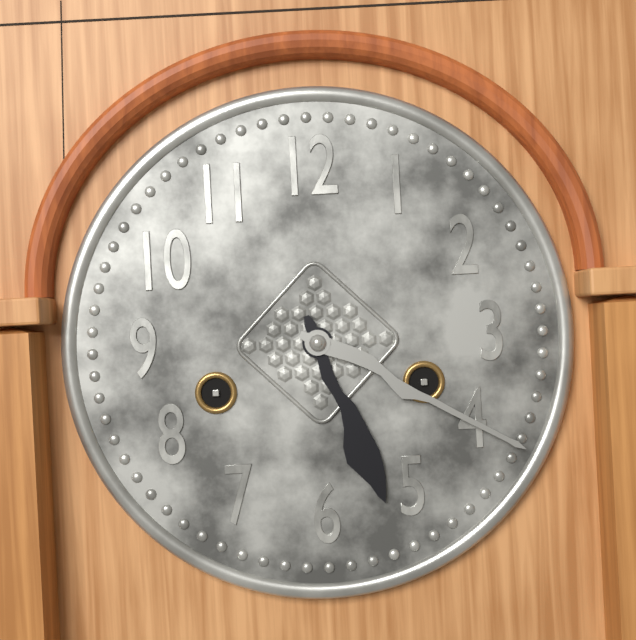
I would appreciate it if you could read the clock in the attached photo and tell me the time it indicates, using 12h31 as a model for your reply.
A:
5h20
